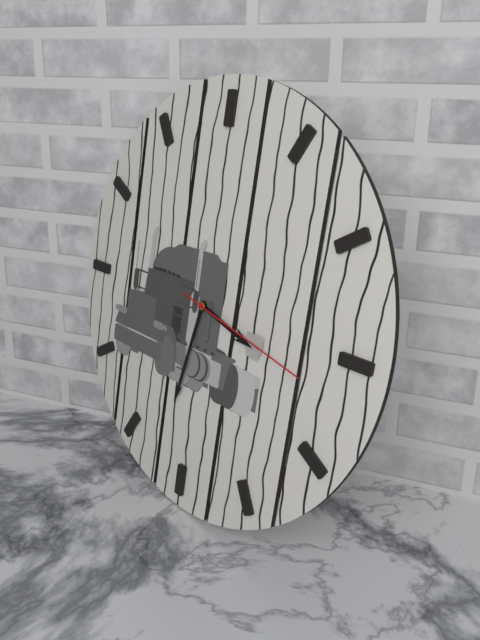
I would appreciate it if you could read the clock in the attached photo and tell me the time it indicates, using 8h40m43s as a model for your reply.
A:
3h32m17s
